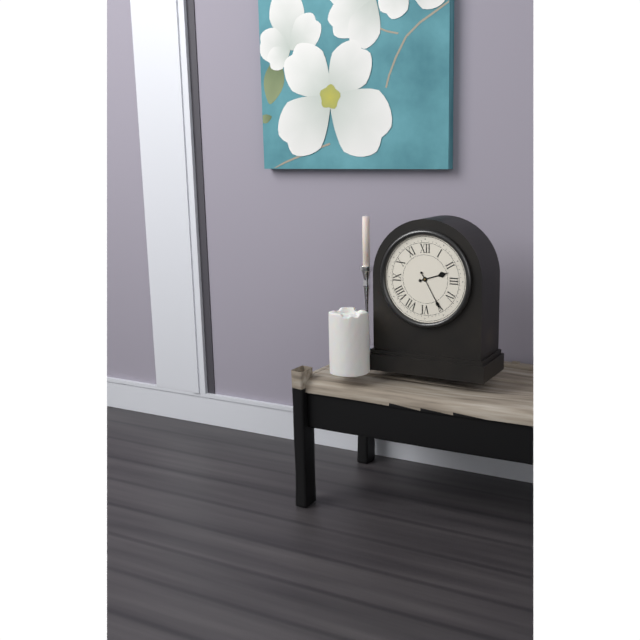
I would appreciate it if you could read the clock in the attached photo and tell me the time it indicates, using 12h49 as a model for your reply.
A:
2h25
